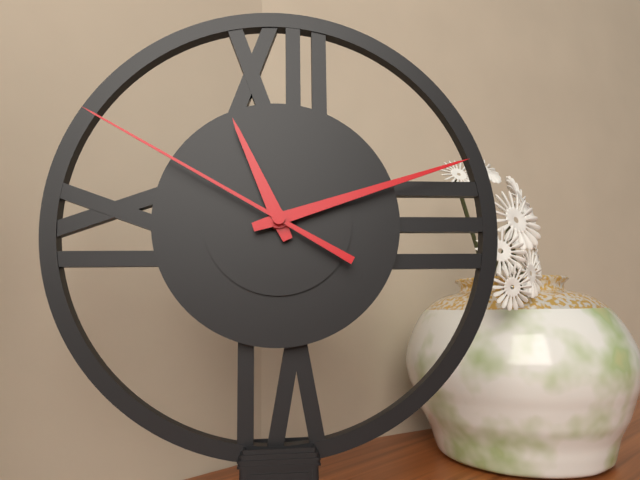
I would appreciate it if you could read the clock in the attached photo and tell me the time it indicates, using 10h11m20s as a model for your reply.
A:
11h12m50s
